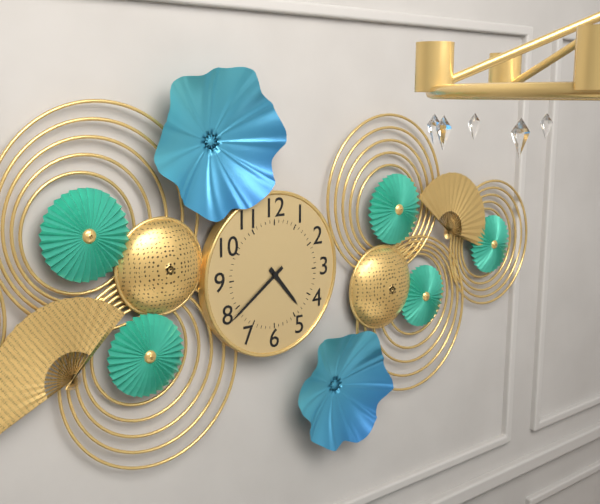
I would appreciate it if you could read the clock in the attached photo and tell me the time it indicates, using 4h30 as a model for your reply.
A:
4h39
